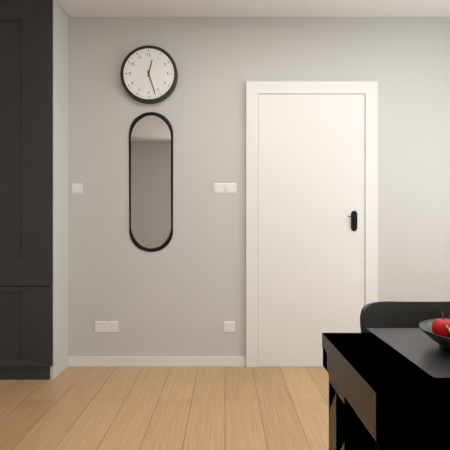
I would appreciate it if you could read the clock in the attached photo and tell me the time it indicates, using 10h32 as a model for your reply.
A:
12h27
